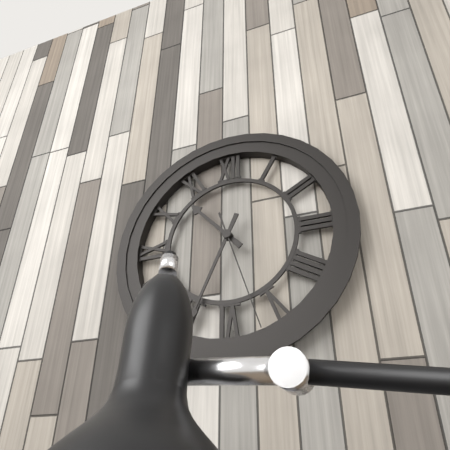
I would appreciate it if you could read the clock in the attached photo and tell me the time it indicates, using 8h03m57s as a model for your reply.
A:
10h34m27s
